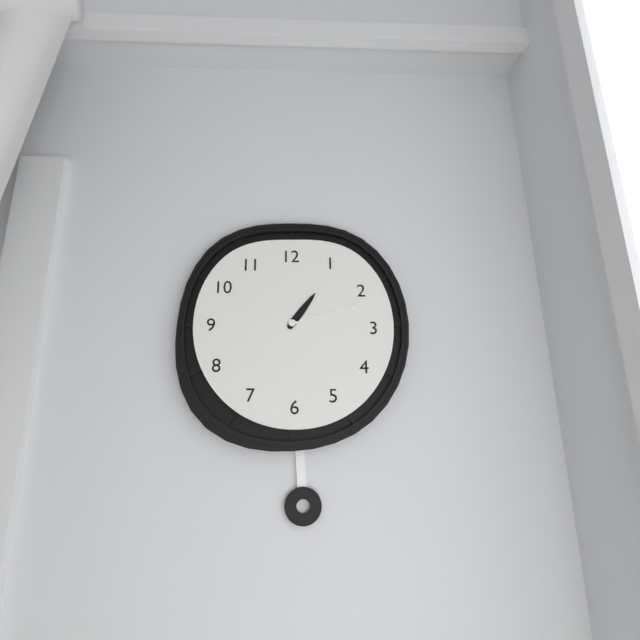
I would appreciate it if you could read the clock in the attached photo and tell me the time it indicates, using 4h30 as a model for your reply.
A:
1h12
